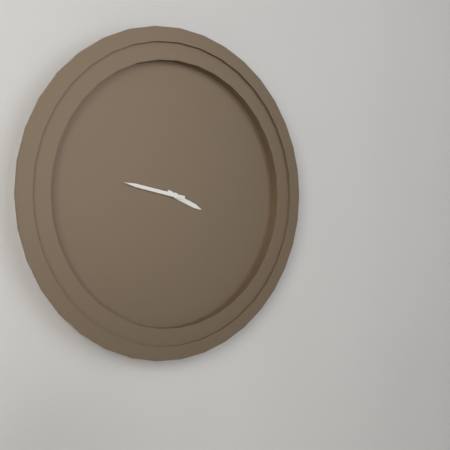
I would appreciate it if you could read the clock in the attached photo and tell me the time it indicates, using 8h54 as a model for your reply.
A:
3h47
